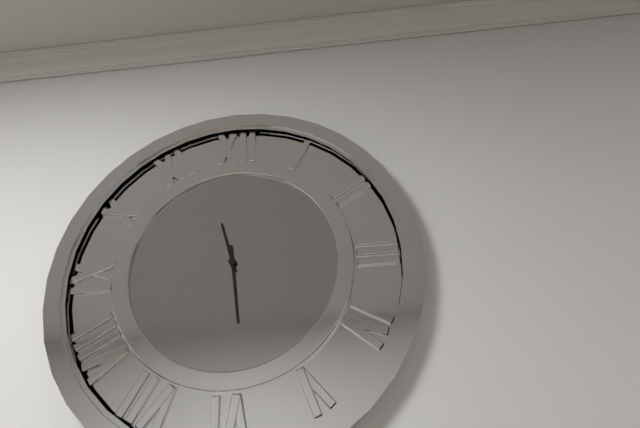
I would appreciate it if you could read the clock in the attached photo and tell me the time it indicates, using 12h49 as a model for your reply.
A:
11h29
